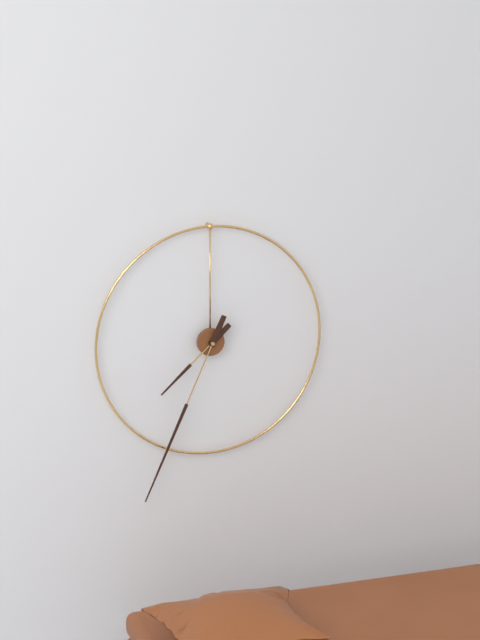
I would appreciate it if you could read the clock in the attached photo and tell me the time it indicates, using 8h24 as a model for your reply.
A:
7h34
